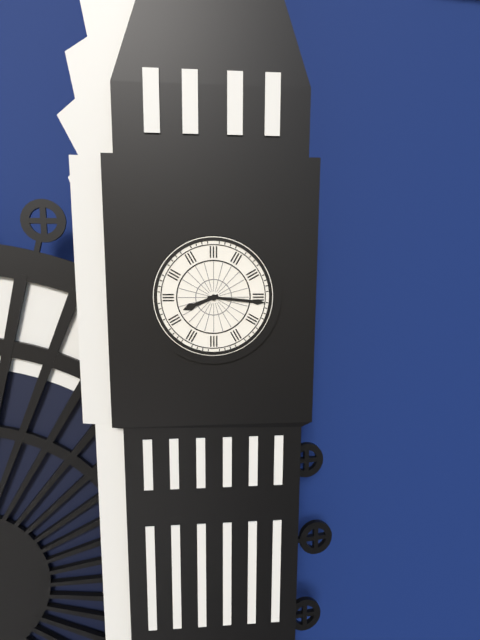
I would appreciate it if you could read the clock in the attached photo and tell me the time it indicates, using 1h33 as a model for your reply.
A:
8h16
